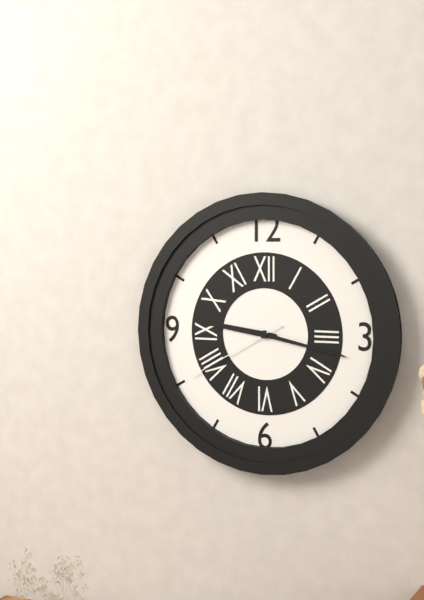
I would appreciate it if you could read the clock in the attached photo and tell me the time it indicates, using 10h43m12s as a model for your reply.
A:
9h17m40s
